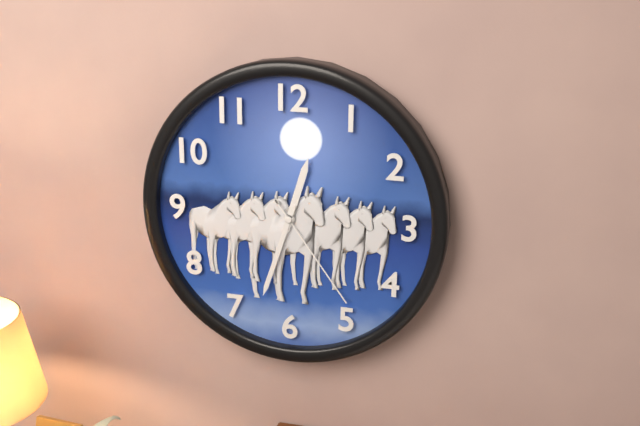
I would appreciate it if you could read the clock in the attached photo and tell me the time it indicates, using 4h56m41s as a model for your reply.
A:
12h33m24s
